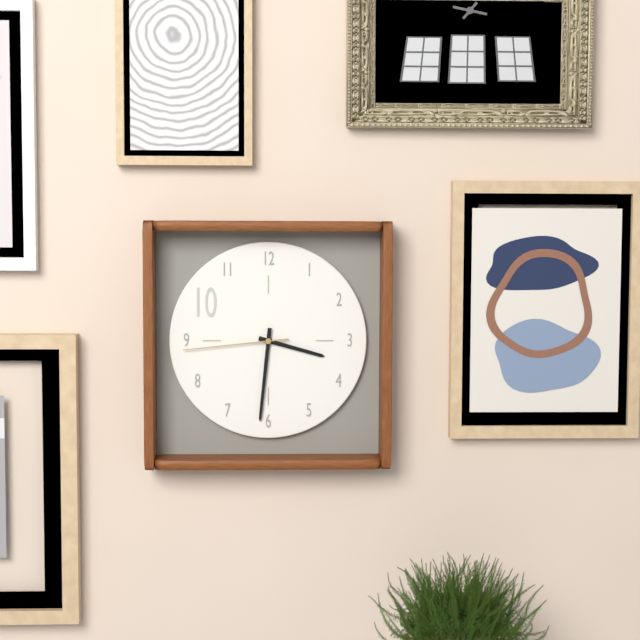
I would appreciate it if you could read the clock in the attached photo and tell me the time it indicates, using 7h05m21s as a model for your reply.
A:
3h31m44s
